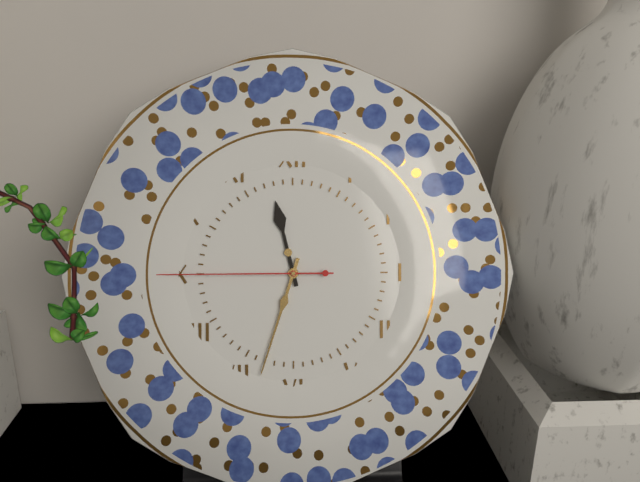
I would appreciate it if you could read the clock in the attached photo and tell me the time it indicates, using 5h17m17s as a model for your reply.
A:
11h33m45s
